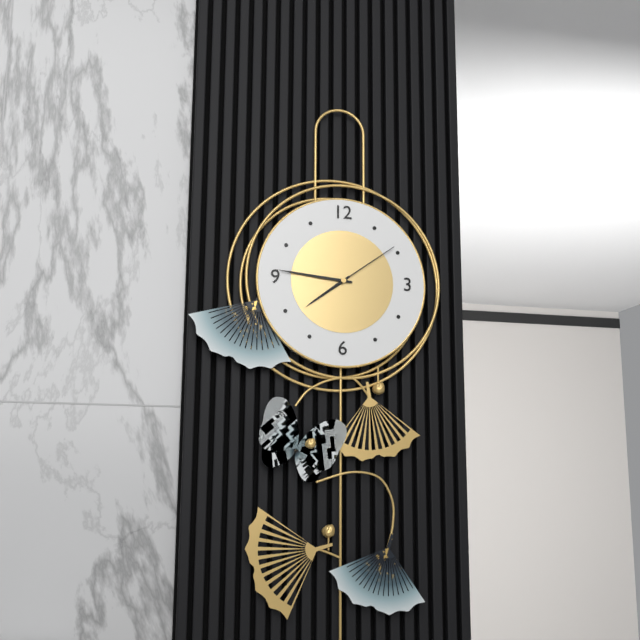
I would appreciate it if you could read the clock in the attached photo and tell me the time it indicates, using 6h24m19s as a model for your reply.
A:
7h46m09s
